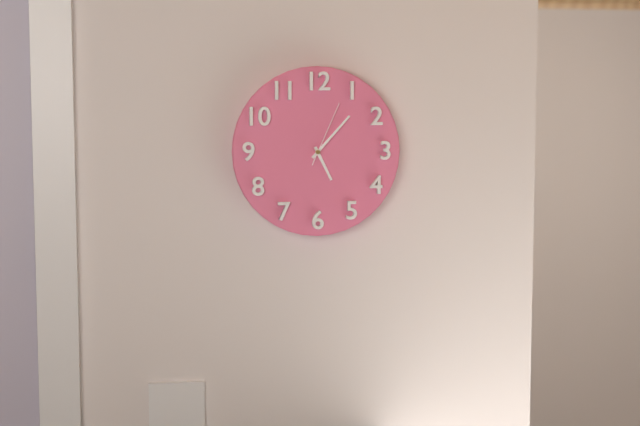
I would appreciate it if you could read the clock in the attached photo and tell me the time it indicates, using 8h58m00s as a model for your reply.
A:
5h07m04s
